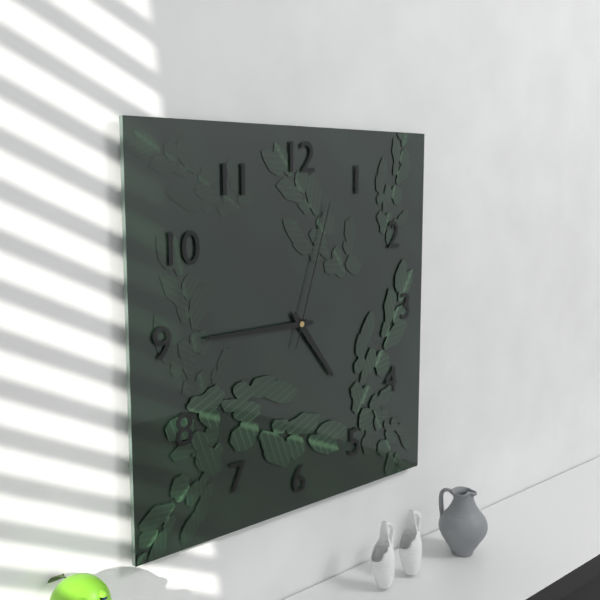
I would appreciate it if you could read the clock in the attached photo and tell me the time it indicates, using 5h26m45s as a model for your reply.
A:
4h45m03s
